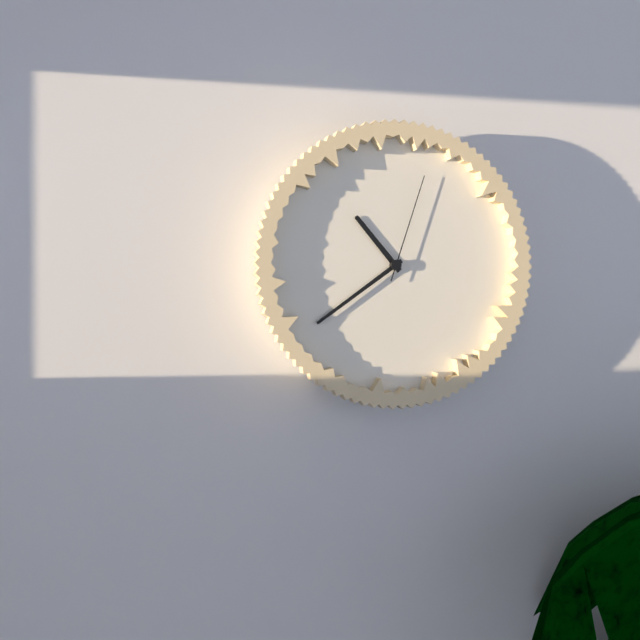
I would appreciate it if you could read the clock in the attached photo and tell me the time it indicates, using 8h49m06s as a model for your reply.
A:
10h39m03s
